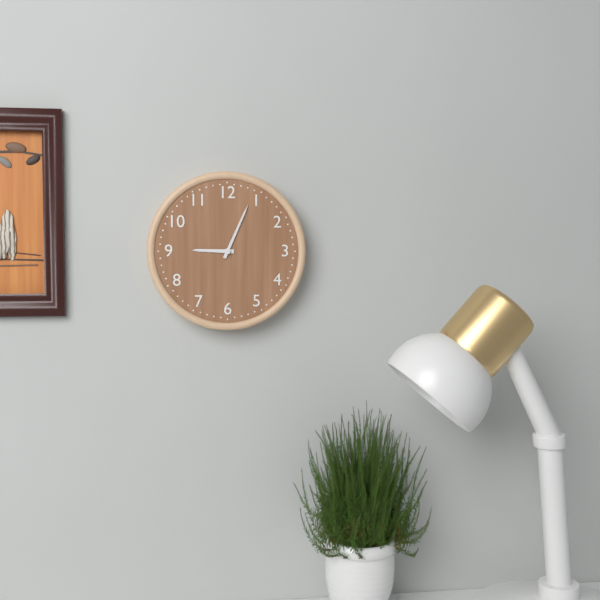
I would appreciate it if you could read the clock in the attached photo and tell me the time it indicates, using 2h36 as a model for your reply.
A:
9h04
